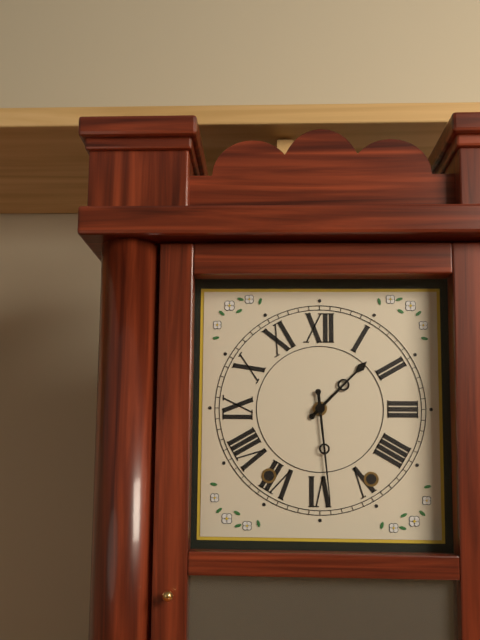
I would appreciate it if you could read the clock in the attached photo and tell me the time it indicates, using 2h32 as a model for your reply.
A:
1h29
